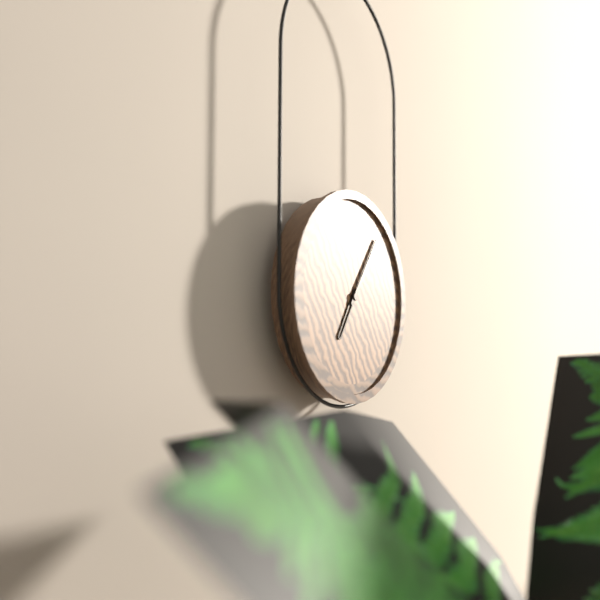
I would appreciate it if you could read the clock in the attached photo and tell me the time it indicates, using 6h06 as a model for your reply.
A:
7h06
